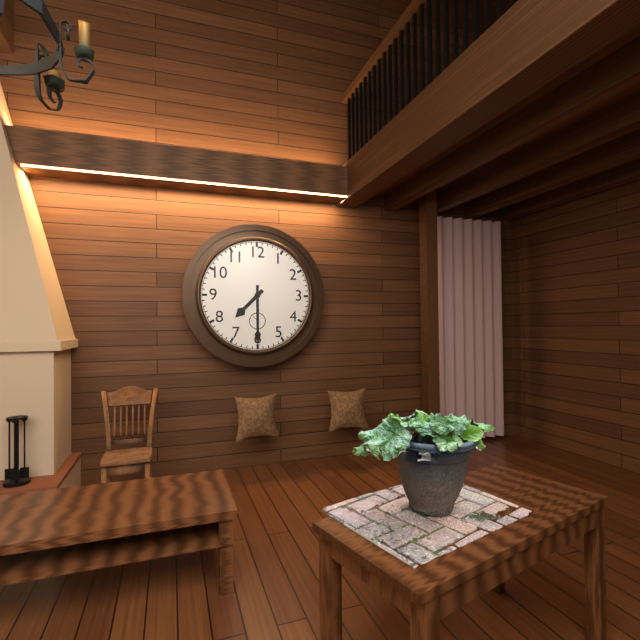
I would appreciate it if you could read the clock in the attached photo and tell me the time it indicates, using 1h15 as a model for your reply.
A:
7h30
